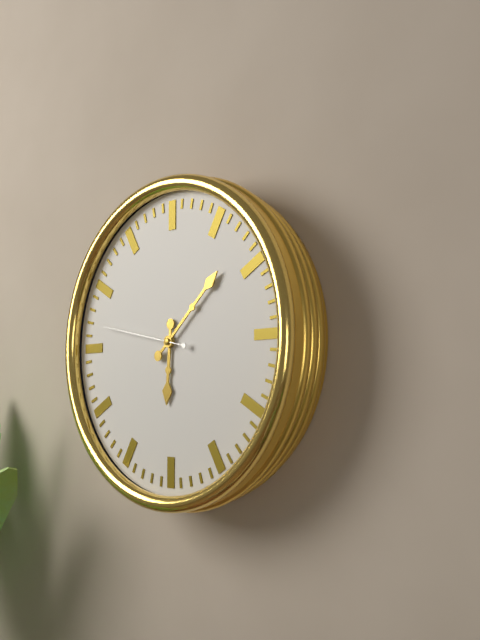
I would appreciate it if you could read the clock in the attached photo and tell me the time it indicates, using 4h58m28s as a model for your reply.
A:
6h08m47s
